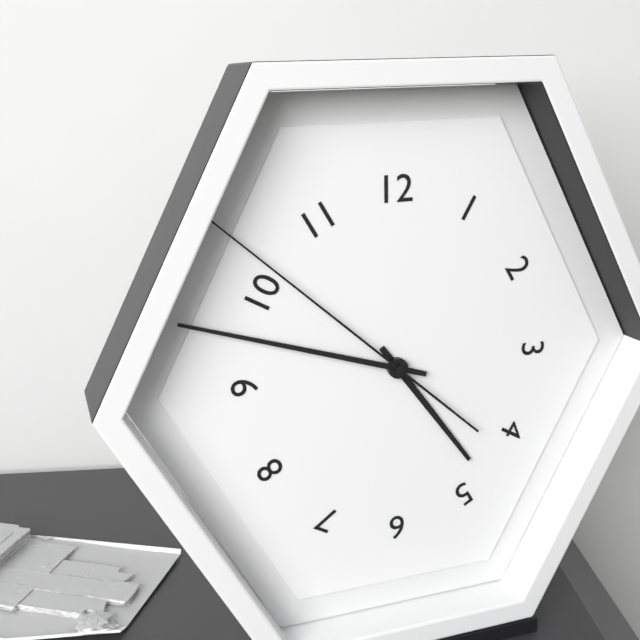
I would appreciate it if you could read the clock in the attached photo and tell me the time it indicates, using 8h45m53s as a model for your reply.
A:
4h48m52s
